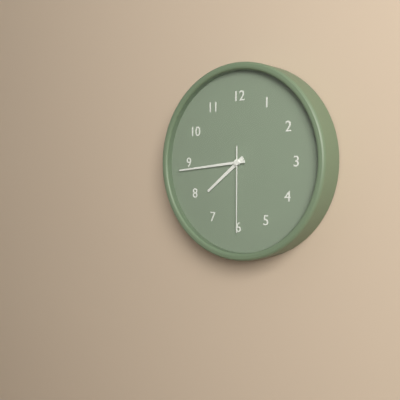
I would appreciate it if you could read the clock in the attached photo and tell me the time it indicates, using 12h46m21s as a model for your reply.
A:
7h44m30s
